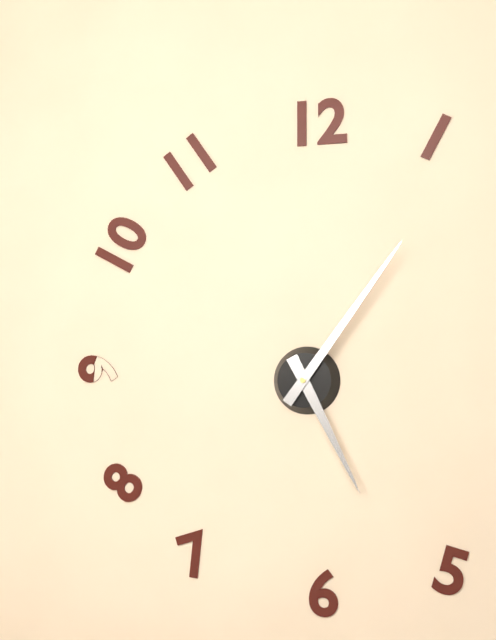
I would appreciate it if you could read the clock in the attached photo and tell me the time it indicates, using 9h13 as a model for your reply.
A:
5h06
